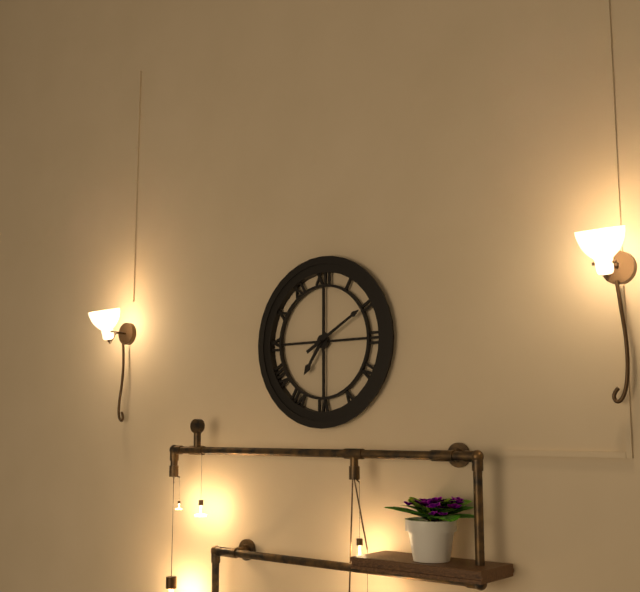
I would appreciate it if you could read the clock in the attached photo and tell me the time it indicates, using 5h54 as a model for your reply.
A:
7h10
